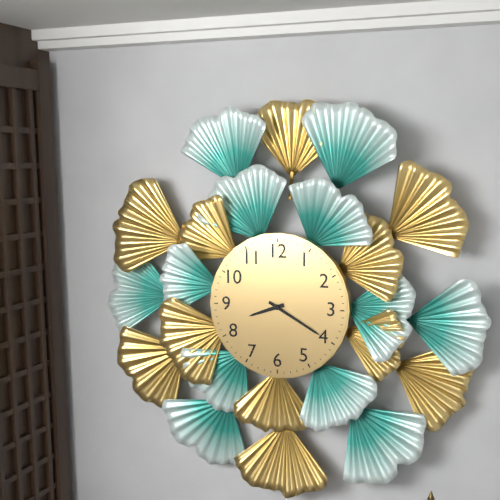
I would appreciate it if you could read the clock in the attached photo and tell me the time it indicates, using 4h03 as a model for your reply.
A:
8h20
